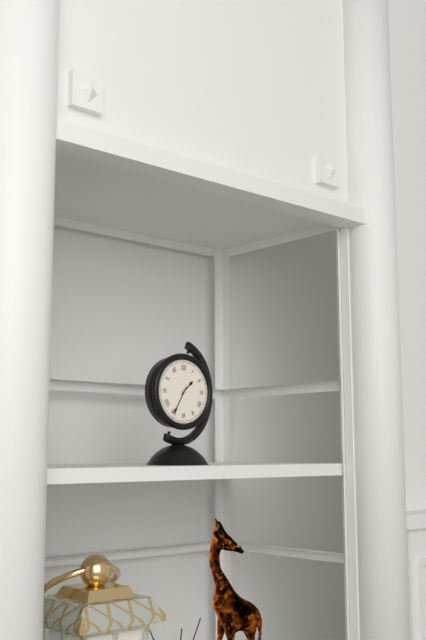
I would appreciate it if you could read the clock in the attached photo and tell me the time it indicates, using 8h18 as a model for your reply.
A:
1h35
